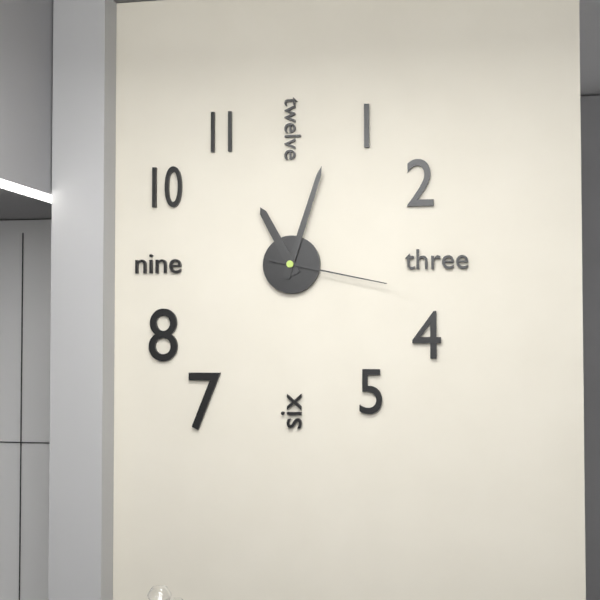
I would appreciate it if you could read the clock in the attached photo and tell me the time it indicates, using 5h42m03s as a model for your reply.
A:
11h03m17s
